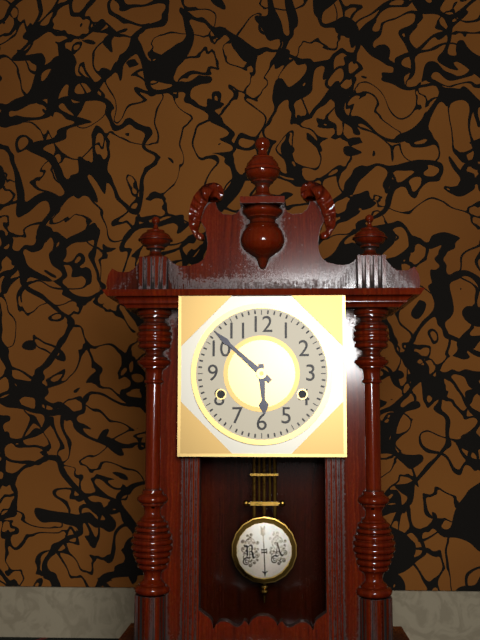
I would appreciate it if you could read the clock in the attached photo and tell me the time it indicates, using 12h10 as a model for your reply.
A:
5h52
